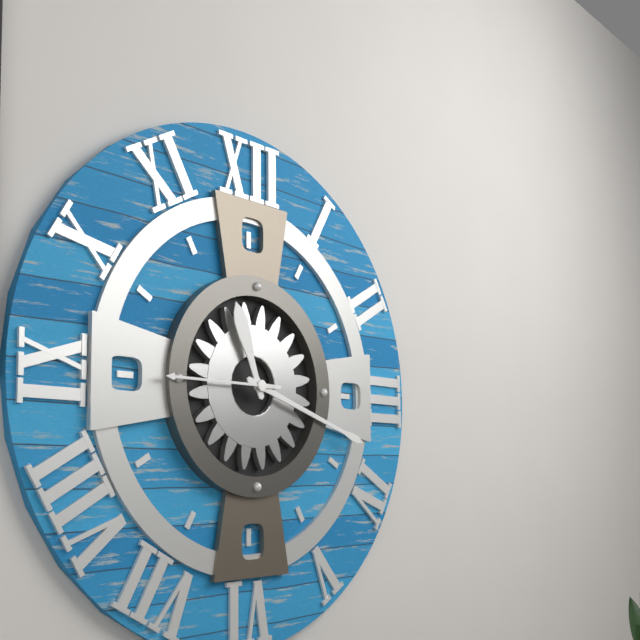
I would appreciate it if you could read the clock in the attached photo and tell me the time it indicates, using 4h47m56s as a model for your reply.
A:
11h18m45s
